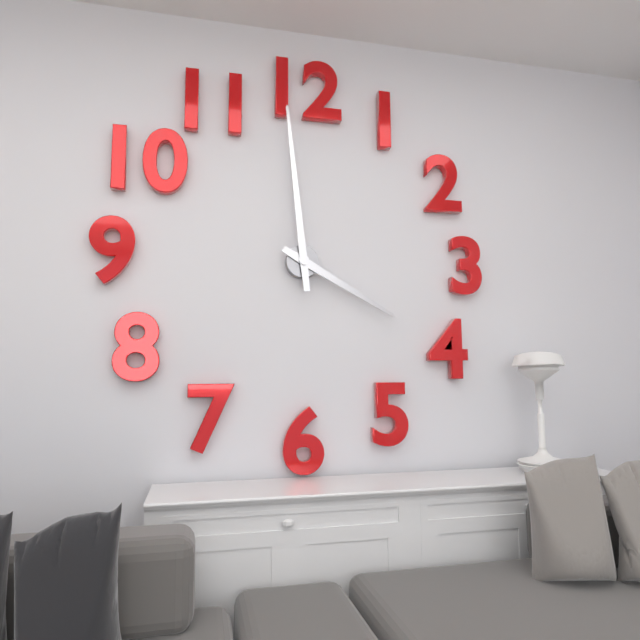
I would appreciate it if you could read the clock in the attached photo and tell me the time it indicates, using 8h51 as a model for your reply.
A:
3h59
